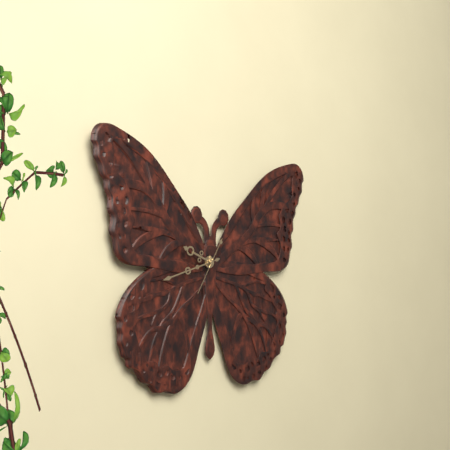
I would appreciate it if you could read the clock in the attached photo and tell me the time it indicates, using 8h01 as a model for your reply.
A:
9h42
